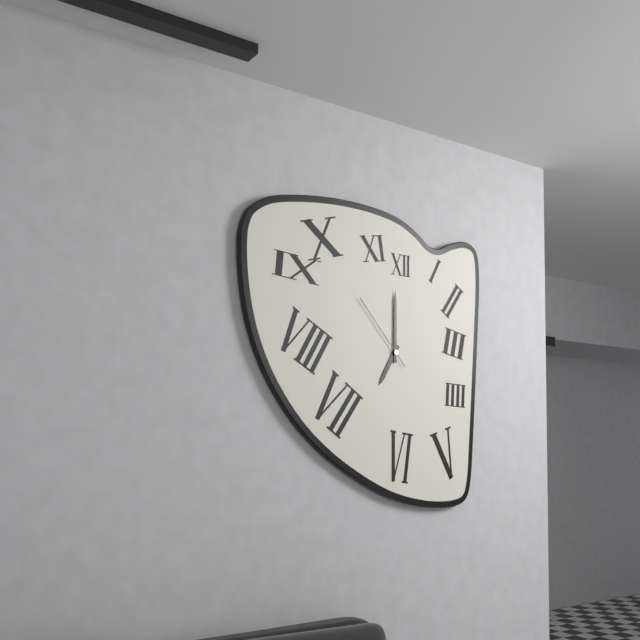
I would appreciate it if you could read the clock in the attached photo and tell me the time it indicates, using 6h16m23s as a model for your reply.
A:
7h00m53s
